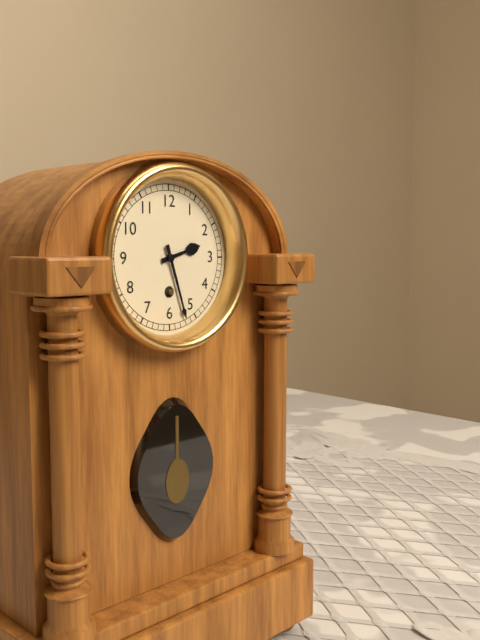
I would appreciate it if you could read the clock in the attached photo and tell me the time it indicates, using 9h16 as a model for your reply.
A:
2h27
